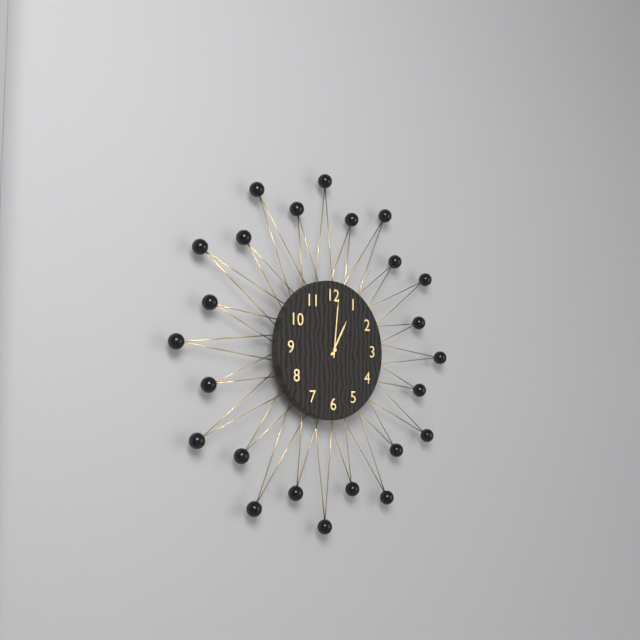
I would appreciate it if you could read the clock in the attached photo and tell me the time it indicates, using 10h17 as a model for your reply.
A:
1h01
